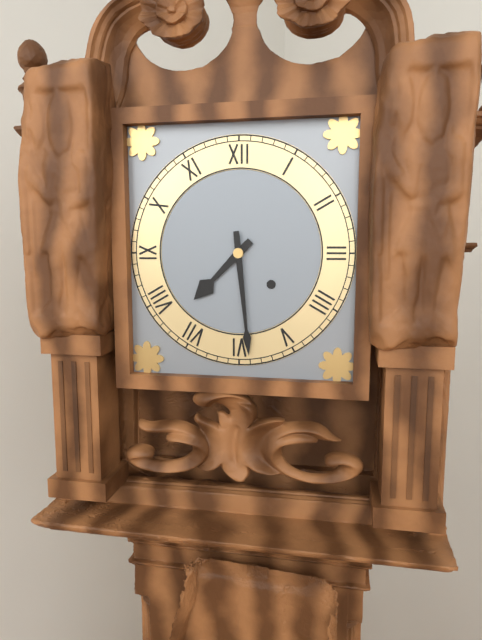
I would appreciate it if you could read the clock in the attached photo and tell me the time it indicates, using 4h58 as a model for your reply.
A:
7h29
